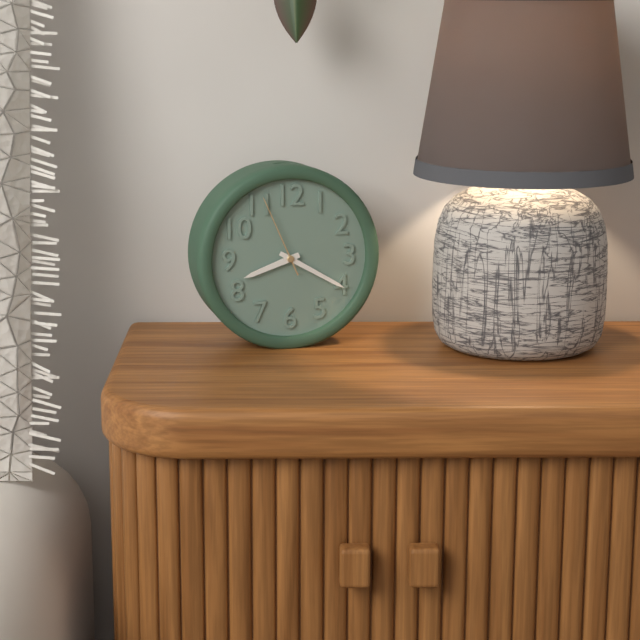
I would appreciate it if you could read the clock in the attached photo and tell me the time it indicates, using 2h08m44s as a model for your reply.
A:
8h20m56s
